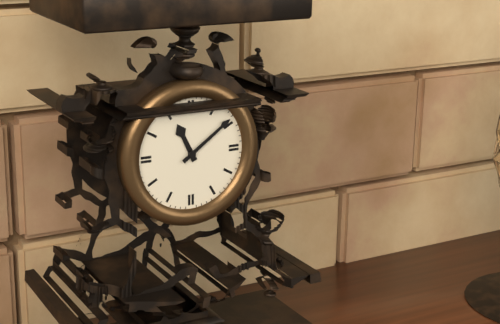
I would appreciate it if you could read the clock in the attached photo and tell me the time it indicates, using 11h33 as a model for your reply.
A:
11h09
